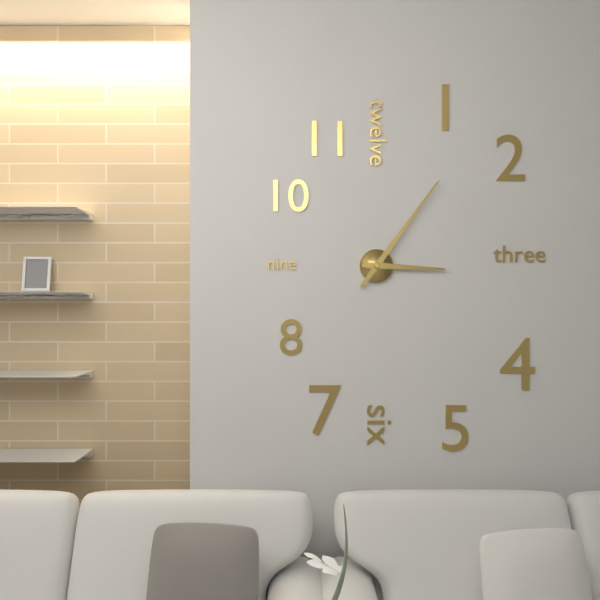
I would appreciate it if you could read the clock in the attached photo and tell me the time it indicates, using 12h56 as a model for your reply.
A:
3h06
